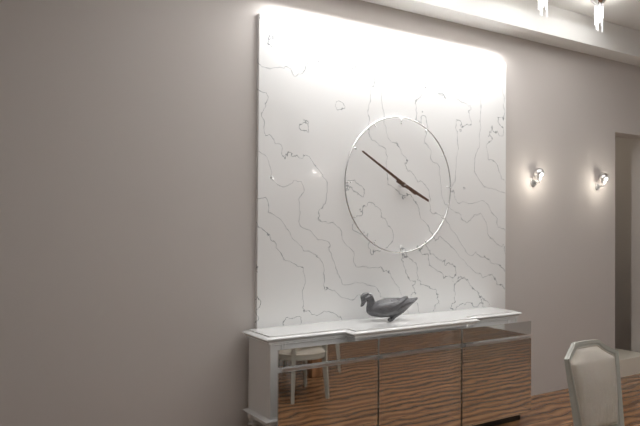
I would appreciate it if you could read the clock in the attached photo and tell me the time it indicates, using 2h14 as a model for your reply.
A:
3h50
